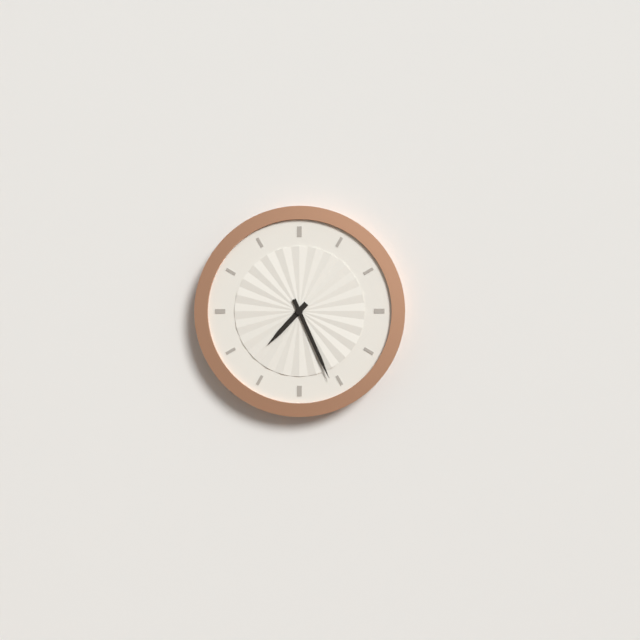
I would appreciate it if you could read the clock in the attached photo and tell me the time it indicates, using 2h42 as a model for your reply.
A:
7h26
